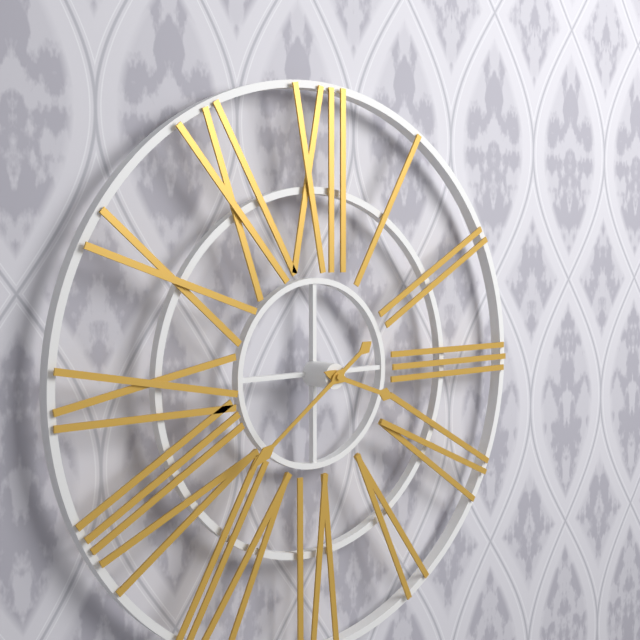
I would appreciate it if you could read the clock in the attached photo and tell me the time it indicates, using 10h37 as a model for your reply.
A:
3h39
